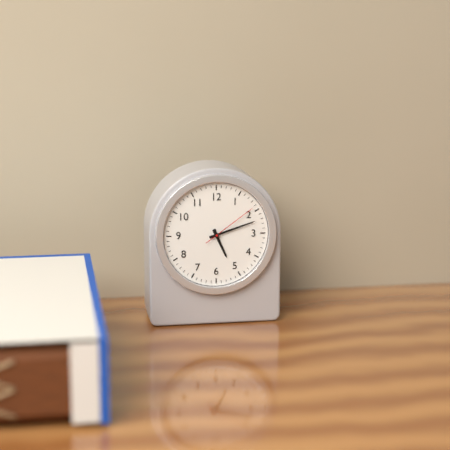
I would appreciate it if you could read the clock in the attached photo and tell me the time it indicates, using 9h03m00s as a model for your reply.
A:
5h12m09s
